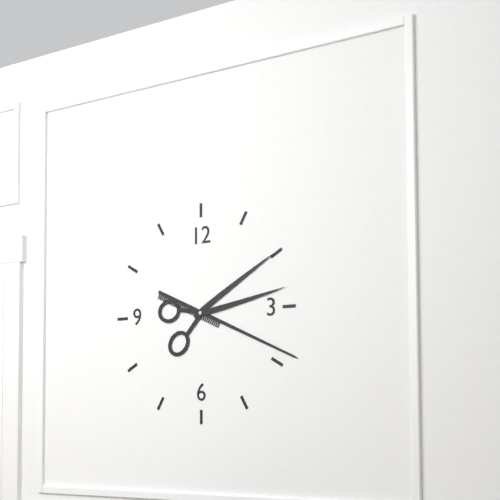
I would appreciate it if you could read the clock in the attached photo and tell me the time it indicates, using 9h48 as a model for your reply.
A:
2h19
